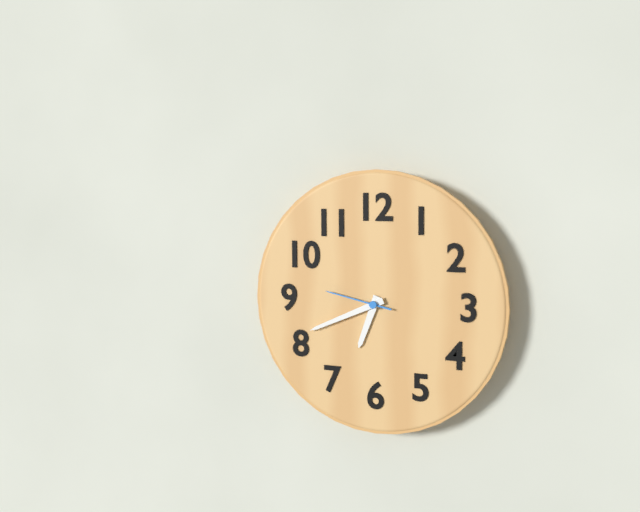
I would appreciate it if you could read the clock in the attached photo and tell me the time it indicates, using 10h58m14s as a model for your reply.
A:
6h41m47s
